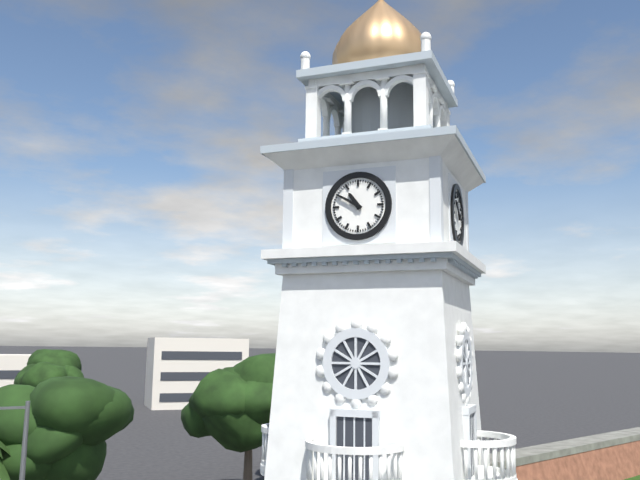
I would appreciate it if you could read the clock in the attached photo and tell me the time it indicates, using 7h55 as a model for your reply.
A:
10h50
